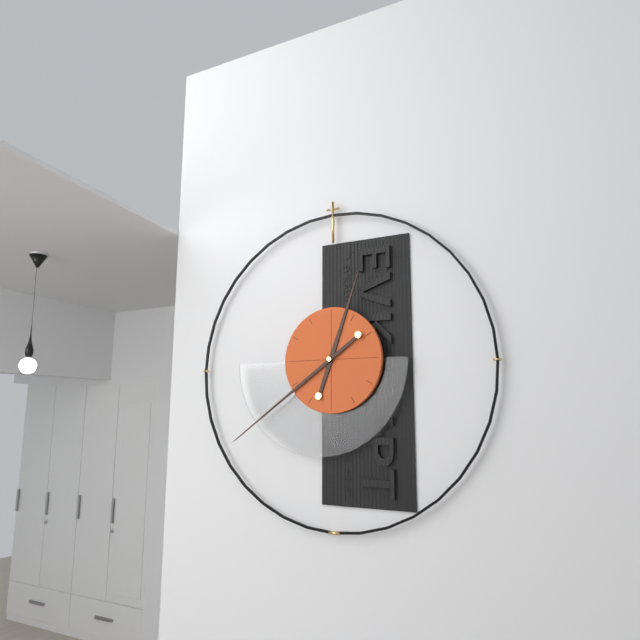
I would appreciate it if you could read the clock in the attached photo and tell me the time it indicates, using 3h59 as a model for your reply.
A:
12h39
